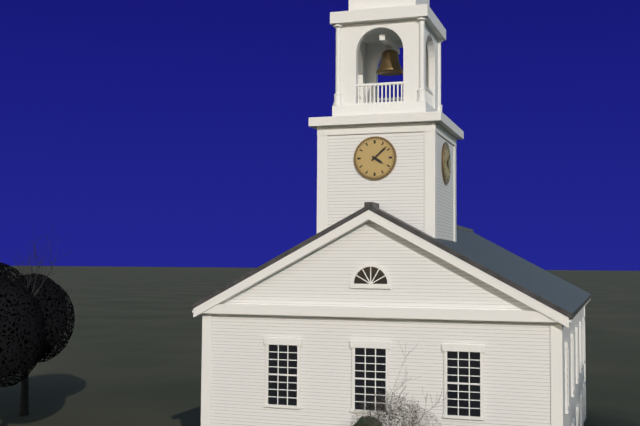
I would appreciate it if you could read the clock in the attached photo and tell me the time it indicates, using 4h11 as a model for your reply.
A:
4h08
